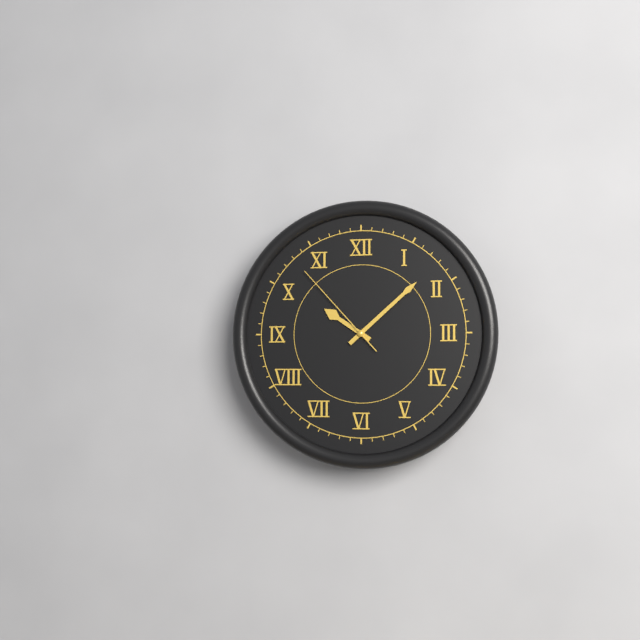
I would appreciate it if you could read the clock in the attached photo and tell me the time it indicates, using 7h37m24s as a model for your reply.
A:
10h08m53s
